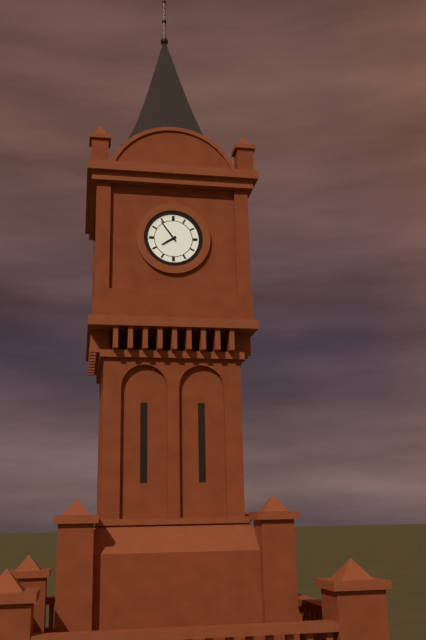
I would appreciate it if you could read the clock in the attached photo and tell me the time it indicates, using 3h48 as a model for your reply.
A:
7h54
